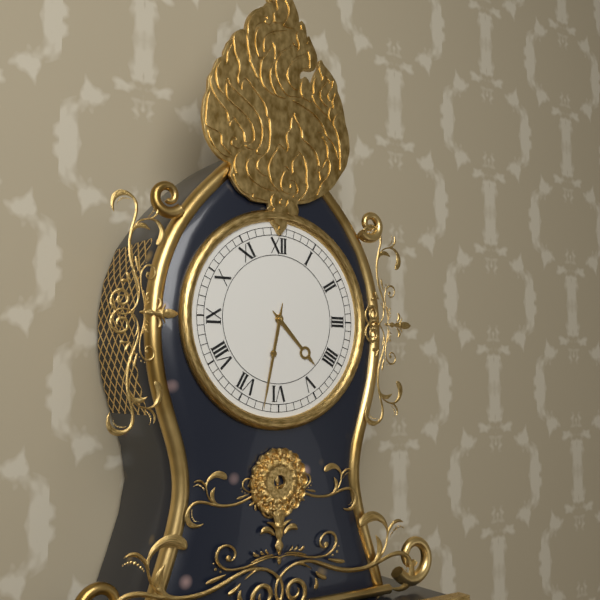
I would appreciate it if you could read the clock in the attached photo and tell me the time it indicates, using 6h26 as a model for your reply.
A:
4h32
